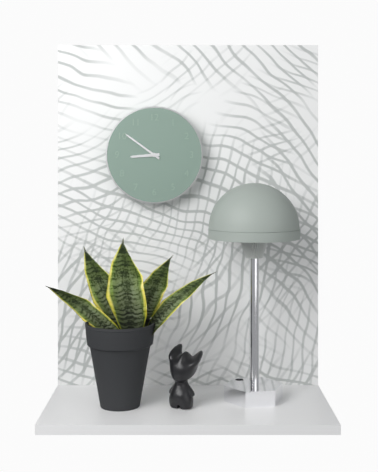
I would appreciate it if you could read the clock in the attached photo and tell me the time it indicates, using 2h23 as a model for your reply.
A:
8h51
